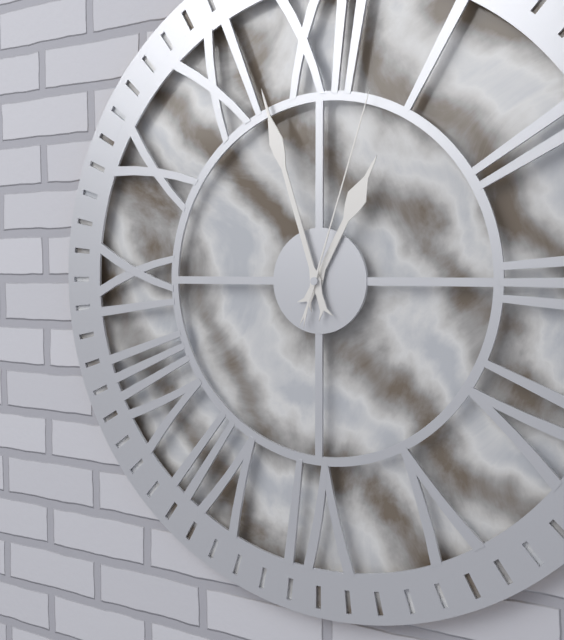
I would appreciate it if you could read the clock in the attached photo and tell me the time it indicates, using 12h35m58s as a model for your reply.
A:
12h57m03s
